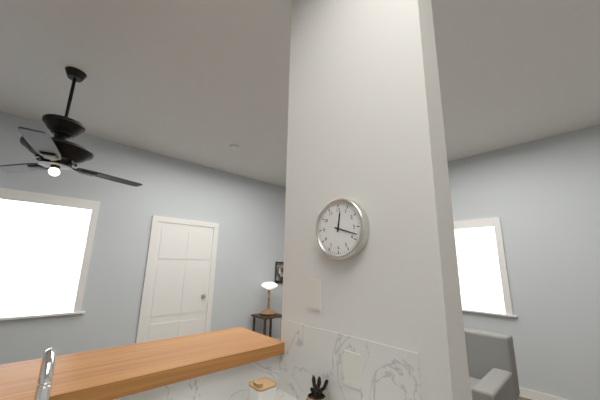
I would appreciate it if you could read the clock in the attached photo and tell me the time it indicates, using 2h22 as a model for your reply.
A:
12h18
